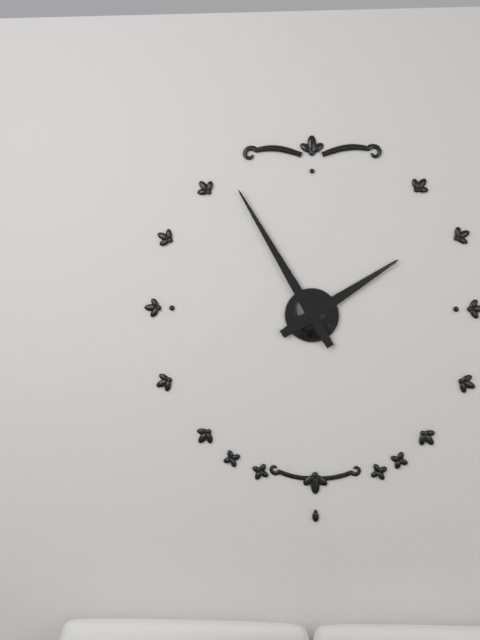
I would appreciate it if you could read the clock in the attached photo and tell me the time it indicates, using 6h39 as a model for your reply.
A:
1h55
